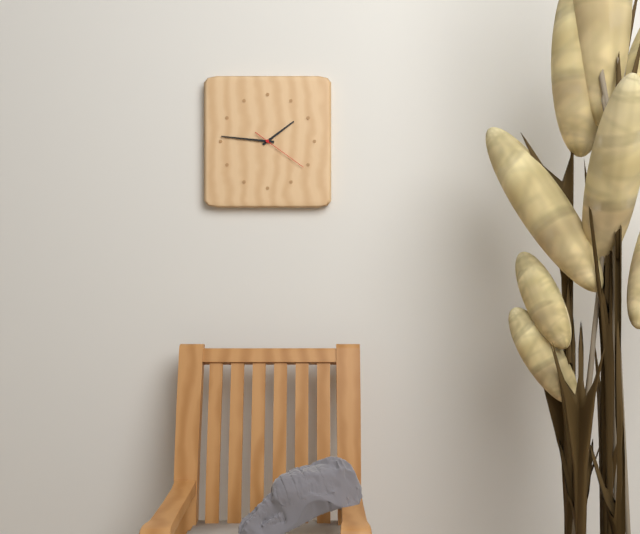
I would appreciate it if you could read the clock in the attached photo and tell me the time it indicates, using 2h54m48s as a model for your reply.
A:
1h46m21s
